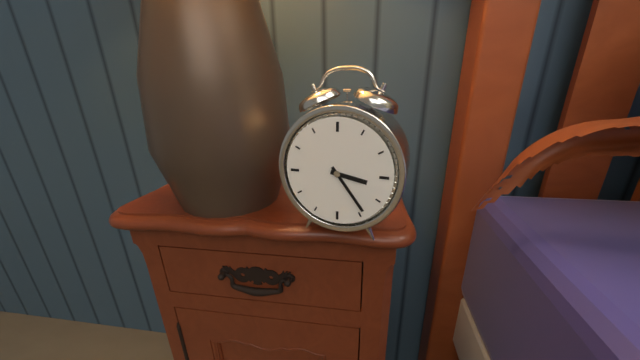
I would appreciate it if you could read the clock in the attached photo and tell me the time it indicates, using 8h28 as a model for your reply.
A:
3h24
